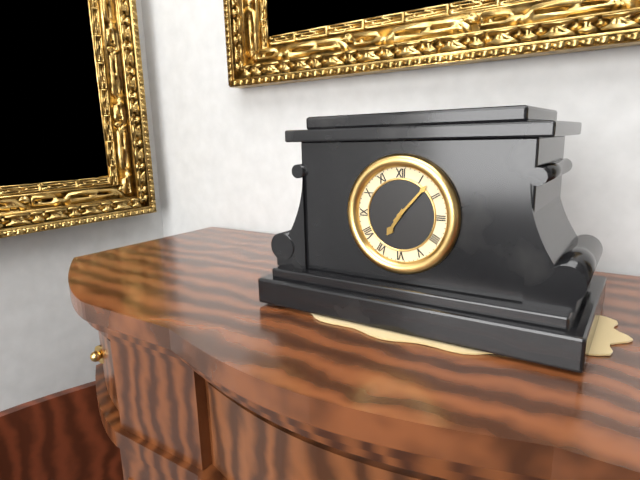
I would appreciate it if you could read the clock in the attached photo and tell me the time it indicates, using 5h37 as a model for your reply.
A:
7h07
